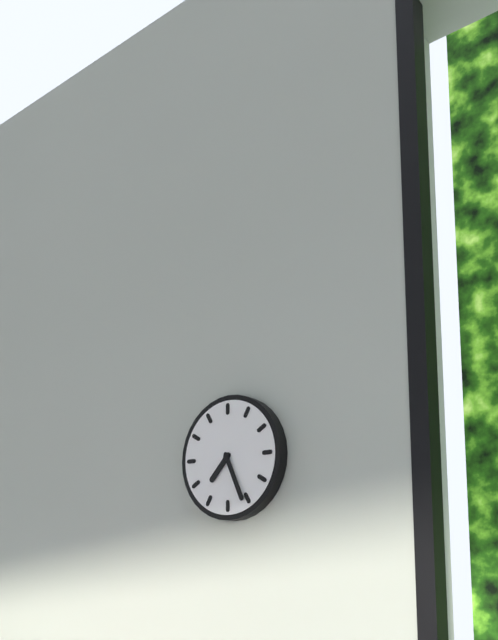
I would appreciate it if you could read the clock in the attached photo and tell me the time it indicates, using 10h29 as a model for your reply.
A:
7h26
